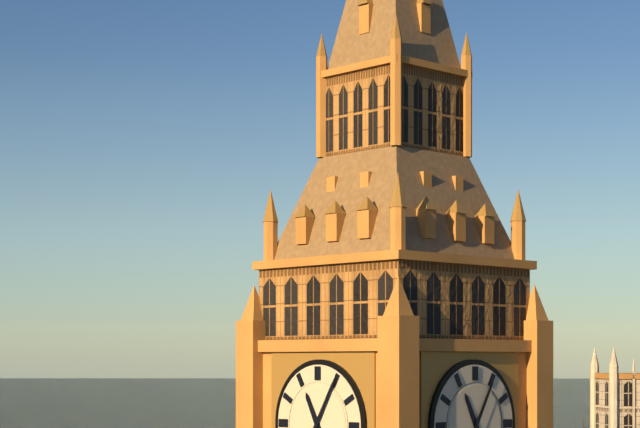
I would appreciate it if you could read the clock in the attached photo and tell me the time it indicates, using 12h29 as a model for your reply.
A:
11h05
